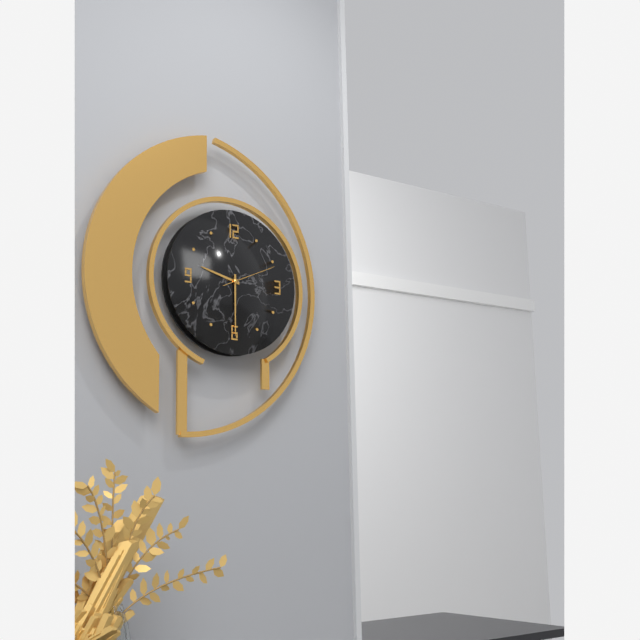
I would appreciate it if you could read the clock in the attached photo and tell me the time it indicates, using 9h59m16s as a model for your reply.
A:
9h30m11s
